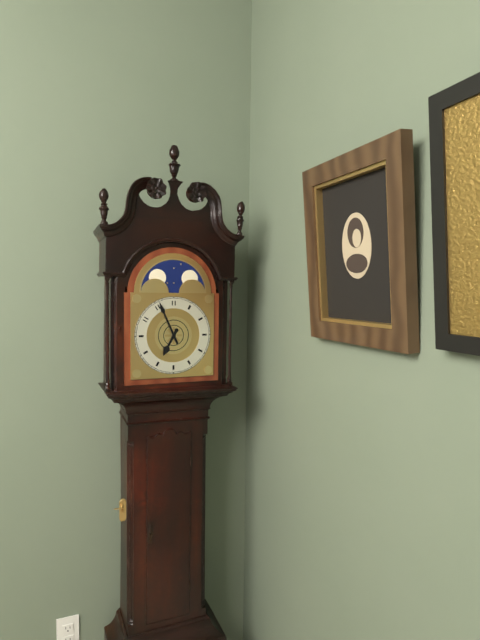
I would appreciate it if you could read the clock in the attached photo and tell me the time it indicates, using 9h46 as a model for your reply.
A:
6h56
